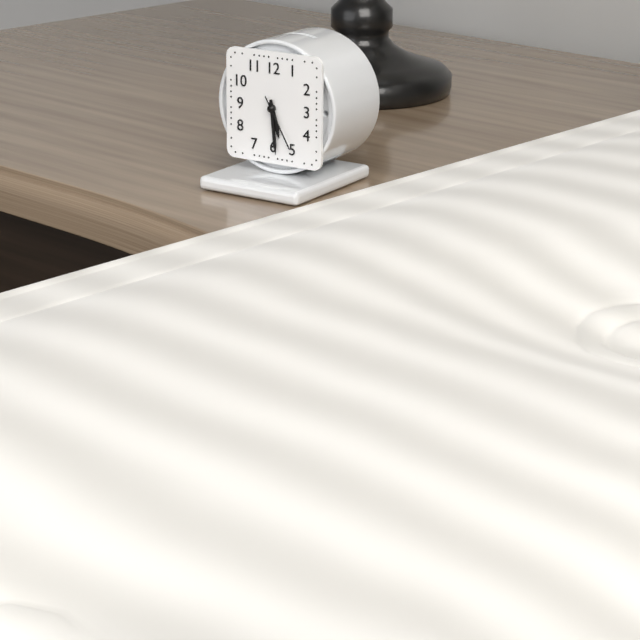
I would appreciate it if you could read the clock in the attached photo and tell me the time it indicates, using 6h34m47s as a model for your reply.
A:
5h29m25s
